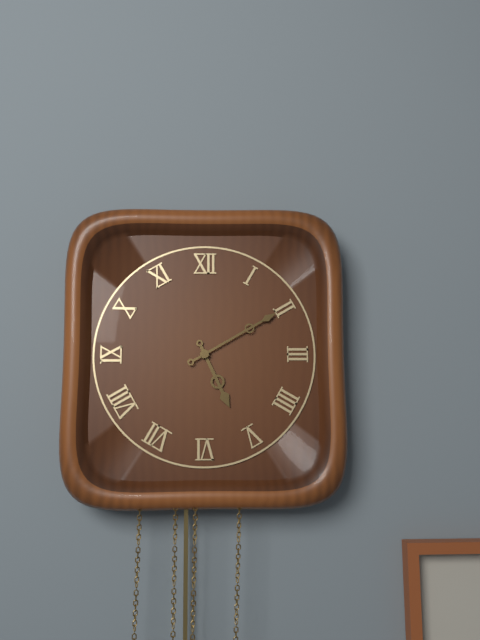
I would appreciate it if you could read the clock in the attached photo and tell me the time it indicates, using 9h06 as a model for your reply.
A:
5h10
